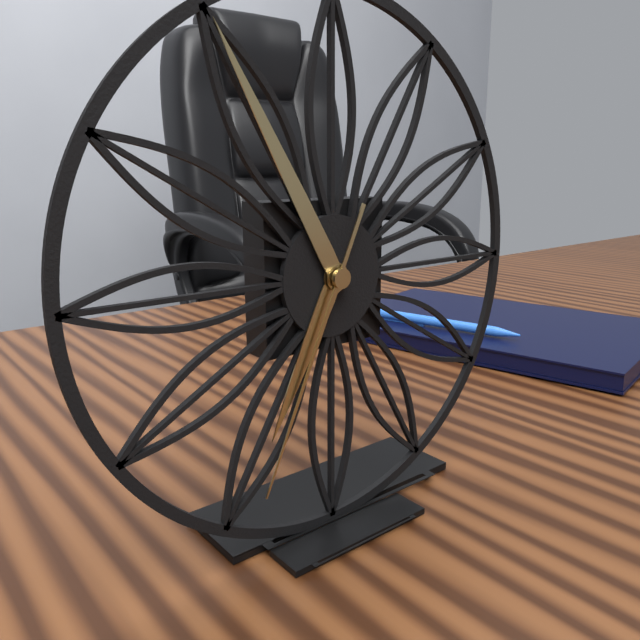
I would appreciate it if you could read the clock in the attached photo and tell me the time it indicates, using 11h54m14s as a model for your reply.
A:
6h55m34s
